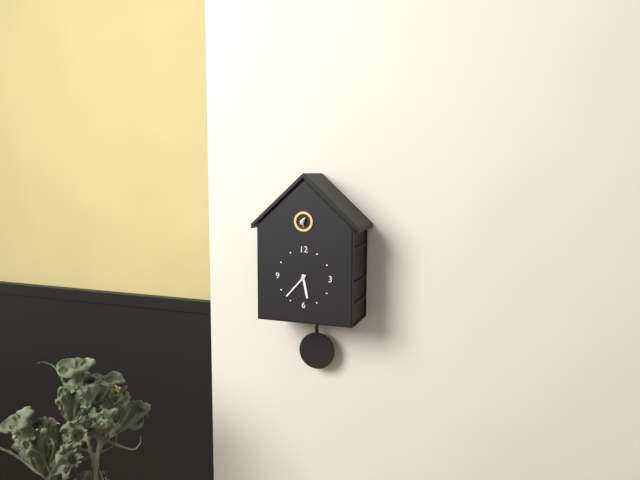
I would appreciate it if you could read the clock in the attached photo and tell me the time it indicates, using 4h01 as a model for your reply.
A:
5h37
